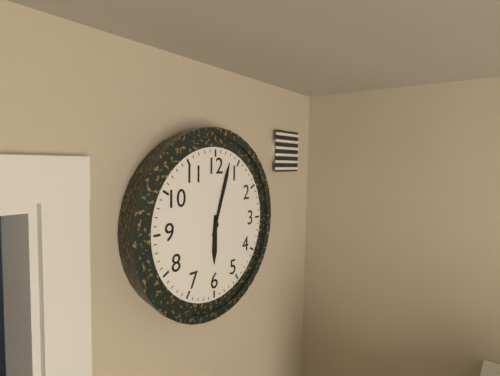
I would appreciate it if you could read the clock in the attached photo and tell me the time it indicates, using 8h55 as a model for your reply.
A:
6h03
